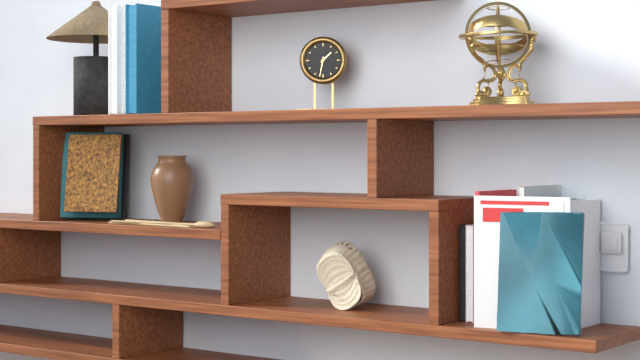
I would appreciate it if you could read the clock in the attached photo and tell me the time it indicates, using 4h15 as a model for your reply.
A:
1h32
